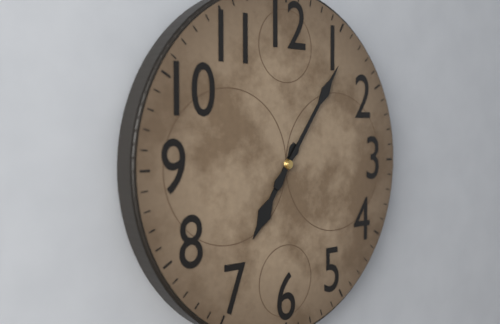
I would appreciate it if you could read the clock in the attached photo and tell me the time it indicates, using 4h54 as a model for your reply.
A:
7h06
